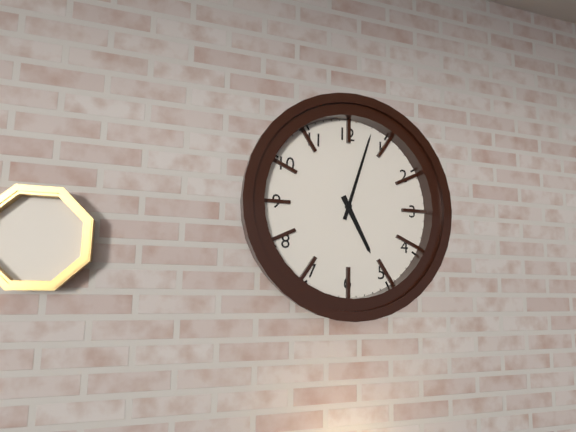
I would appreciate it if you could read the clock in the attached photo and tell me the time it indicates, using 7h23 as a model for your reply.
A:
5h03
